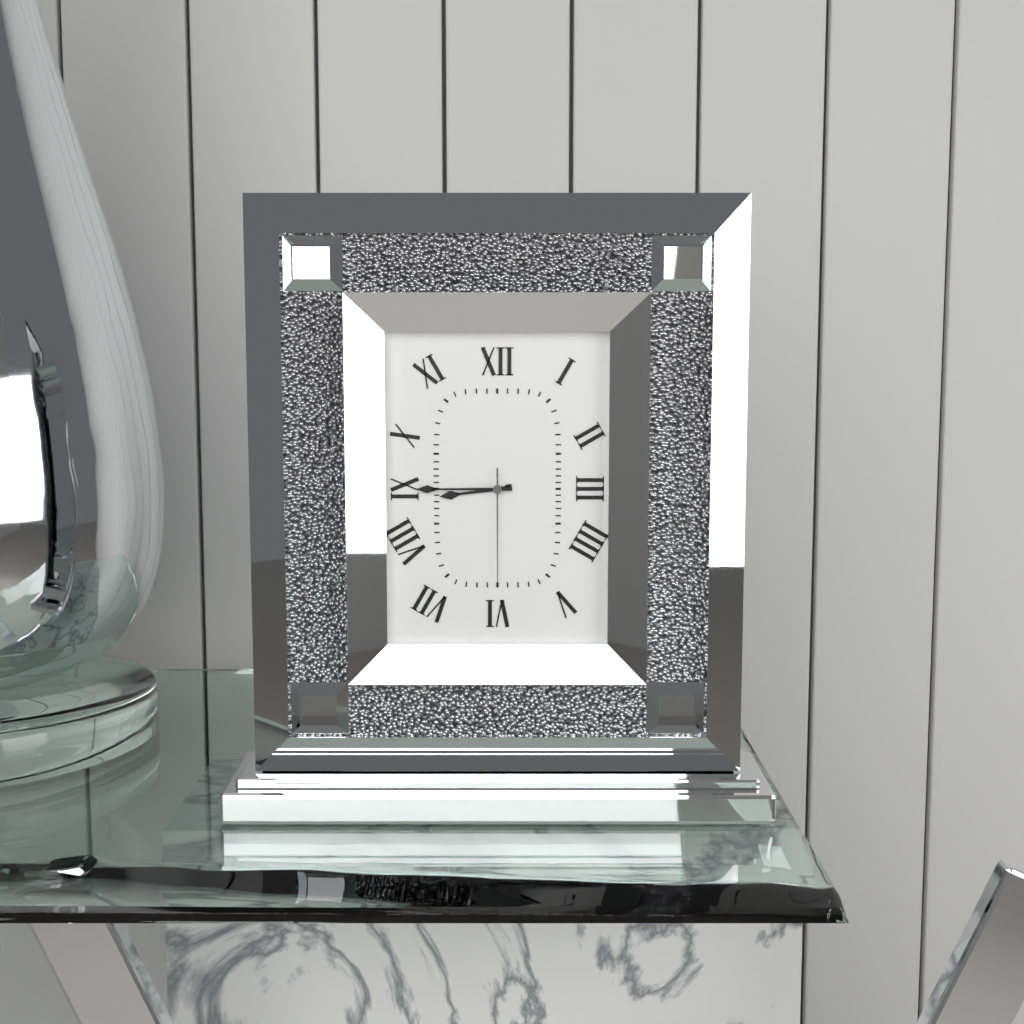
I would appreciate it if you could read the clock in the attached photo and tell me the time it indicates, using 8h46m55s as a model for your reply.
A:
8h45m30s
